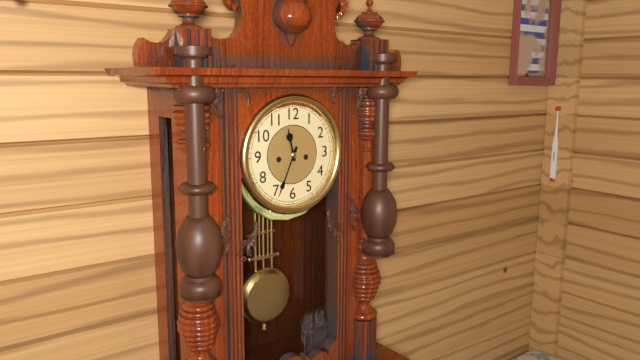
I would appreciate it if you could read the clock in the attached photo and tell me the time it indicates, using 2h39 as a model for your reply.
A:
11h34
